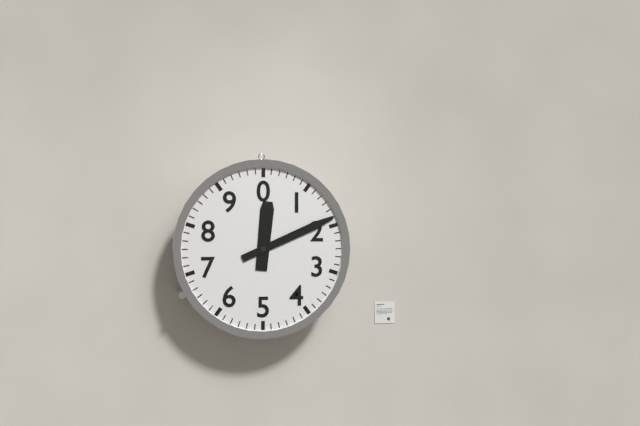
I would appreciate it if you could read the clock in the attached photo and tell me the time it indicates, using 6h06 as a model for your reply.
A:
12h11
